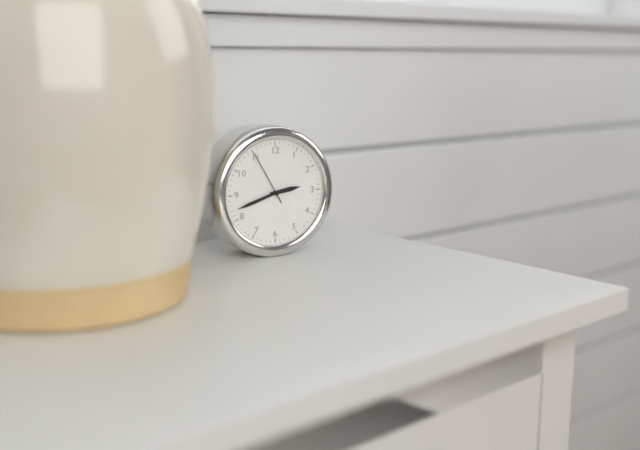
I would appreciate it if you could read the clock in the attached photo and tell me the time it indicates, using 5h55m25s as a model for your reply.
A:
2h42m55s
